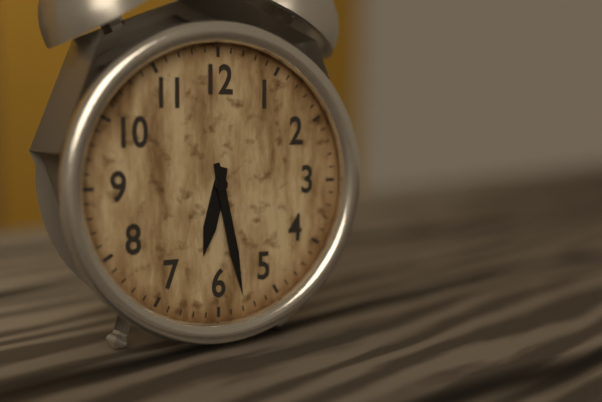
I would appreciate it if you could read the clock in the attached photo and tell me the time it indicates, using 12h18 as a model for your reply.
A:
6h28
